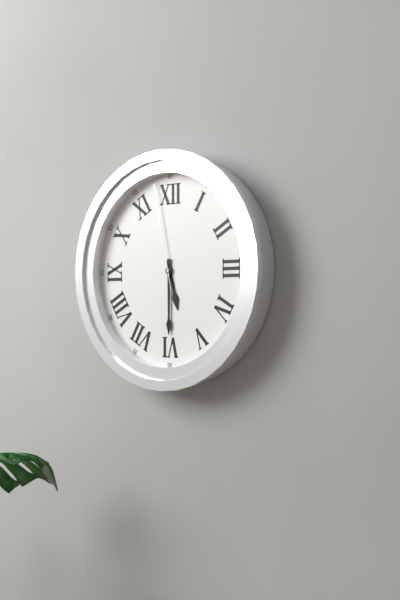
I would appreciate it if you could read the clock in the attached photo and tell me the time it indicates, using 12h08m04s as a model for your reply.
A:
5h30m58s
